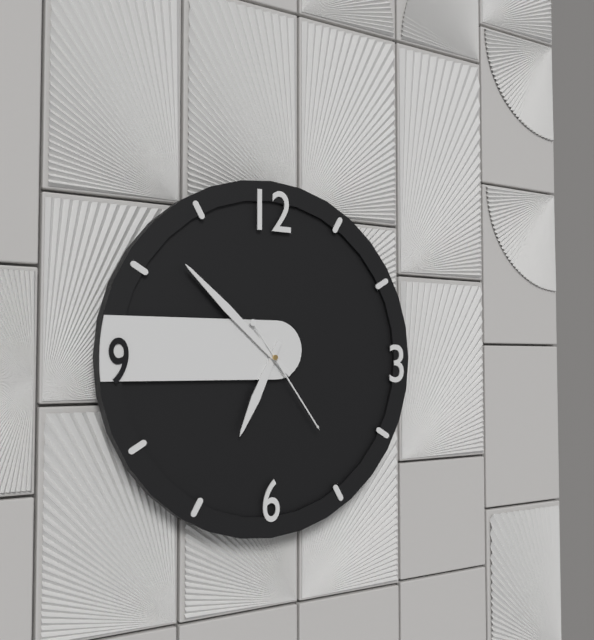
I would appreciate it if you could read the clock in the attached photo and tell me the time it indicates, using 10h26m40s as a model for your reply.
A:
6h52m24s
